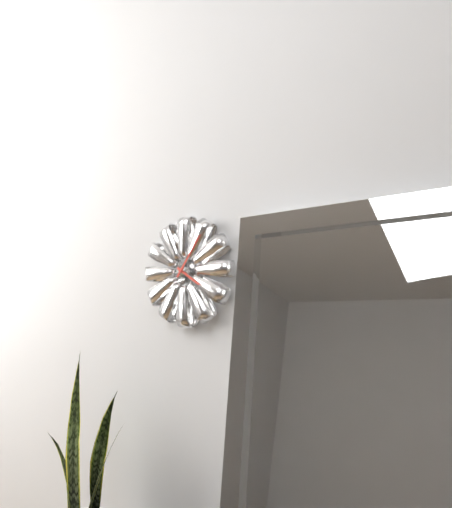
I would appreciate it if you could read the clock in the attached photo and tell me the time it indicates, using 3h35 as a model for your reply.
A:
4h06
